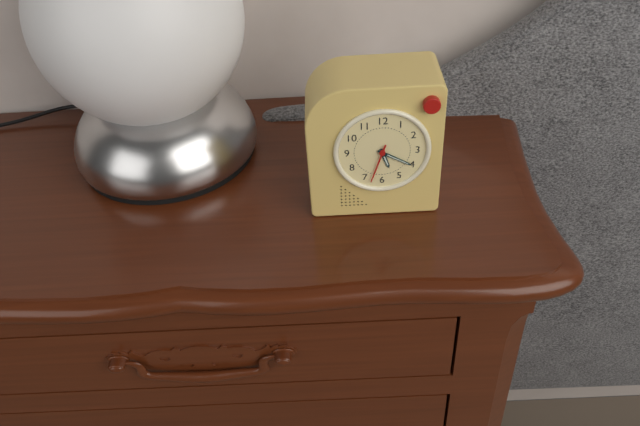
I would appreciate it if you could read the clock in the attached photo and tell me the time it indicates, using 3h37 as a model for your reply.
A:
5h20
